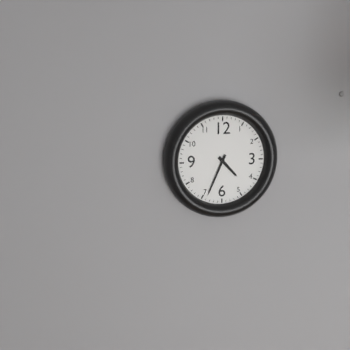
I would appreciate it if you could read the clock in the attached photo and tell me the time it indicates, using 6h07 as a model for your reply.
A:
4h34
